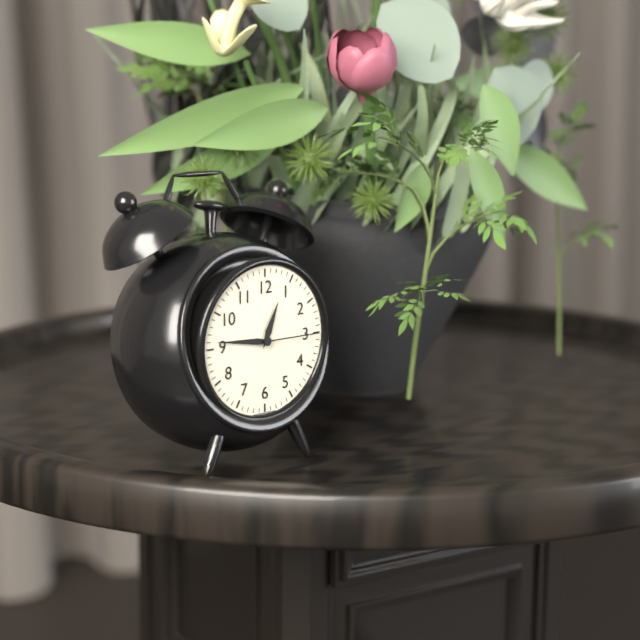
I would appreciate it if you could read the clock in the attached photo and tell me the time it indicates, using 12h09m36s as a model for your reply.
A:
12h46m15s
